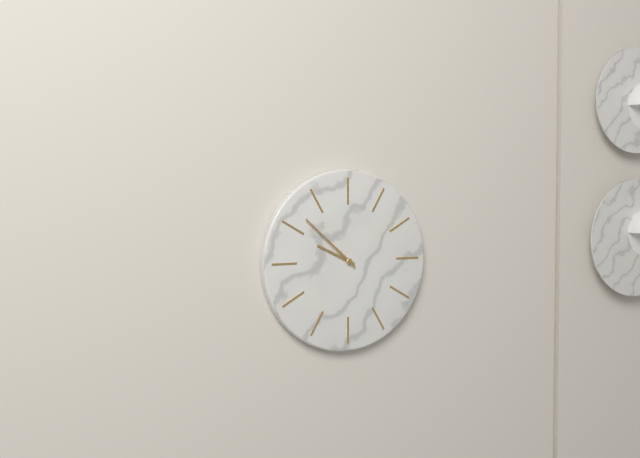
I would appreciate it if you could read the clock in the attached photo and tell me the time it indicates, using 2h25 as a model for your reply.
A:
9h52
